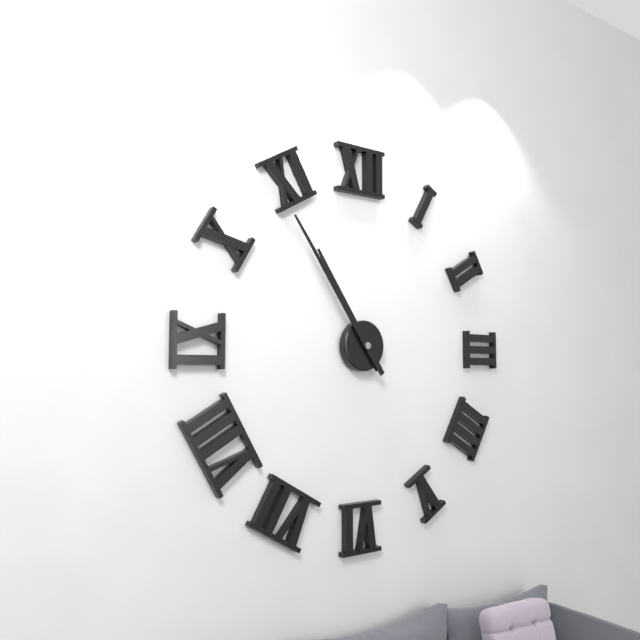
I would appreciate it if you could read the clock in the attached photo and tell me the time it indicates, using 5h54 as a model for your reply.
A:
10h54
